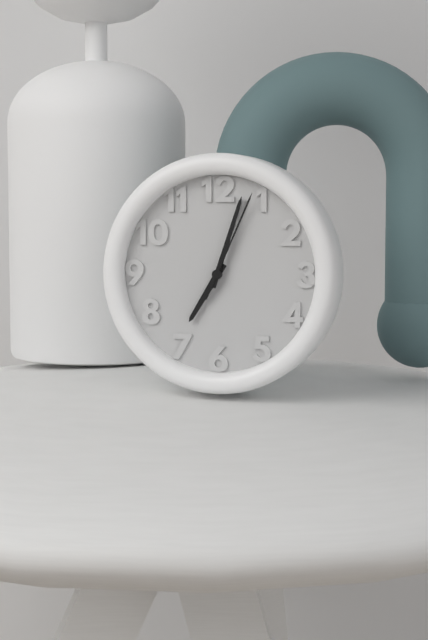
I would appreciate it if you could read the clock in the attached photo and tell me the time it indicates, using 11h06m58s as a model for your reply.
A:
7h03m04s
